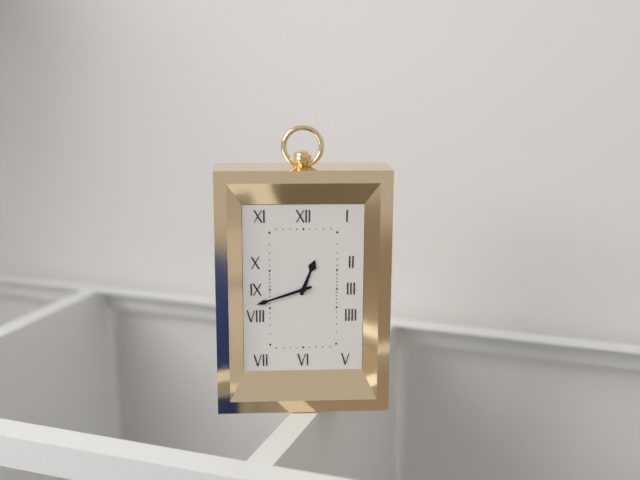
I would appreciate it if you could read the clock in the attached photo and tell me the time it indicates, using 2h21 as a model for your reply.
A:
12h42
